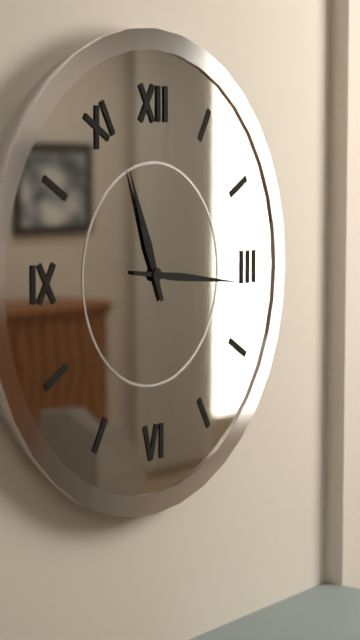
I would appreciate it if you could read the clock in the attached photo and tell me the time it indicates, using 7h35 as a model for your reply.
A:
11h16
